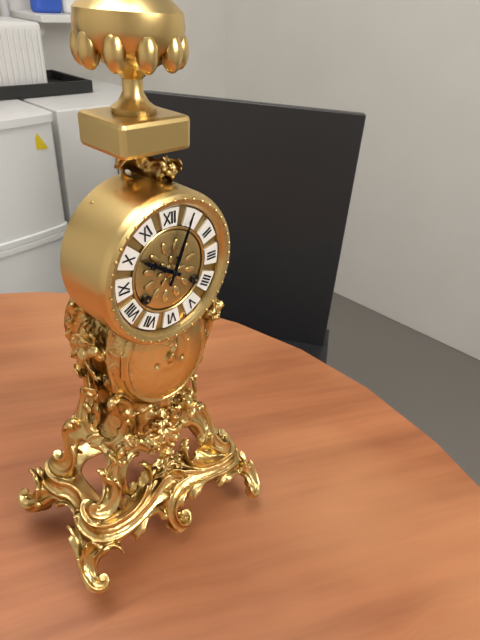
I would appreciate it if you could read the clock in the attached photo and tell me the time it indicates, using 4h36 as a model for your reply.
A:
10h04
